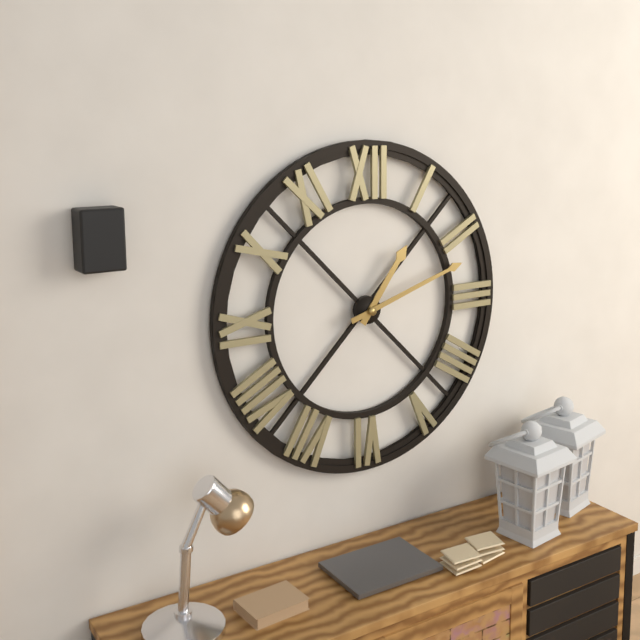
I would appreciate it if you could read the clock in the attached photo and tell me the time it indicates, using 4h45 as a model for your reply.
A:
1h12
